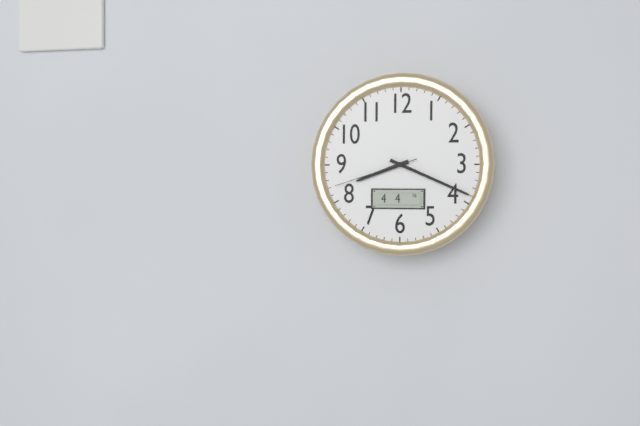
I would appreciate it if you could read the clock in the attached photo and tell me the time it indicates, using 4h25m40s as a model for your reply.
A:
8h19m42s
